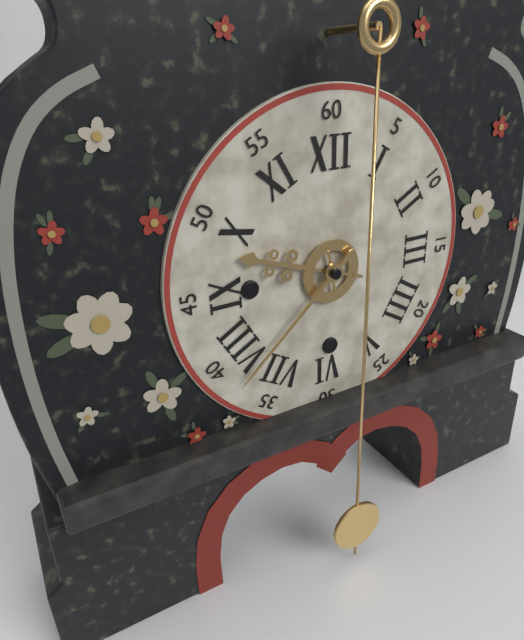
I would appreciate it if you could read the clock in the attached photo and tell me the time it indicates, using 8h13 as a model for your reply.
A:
9h38
